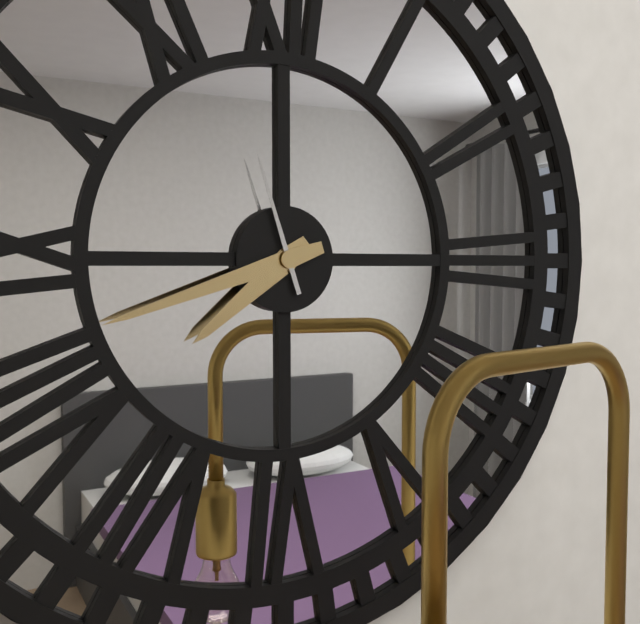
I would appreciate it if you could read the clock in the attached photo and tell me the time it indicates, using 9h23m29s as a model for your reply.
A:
7h42m57s
